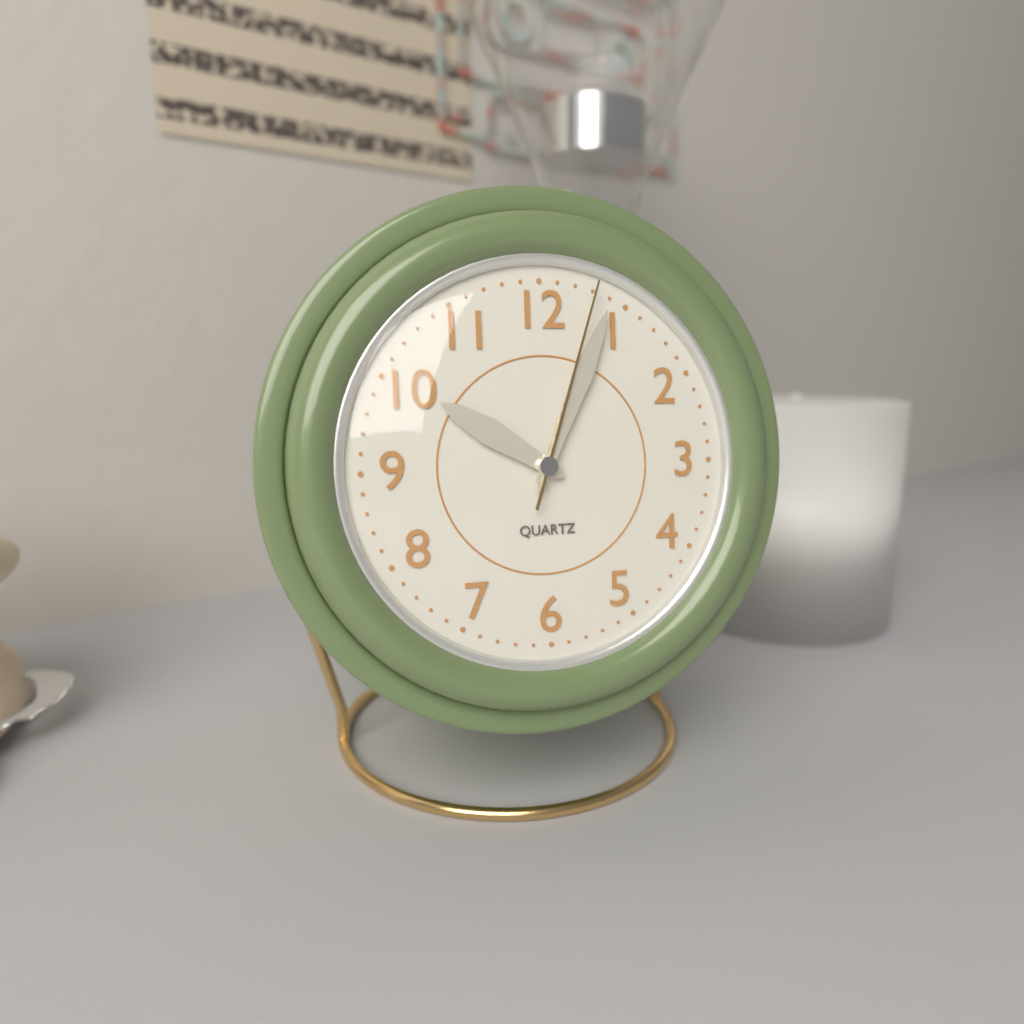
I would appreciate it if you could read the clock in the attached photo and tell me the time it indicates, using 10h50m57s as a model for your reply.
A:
10h04m03s
